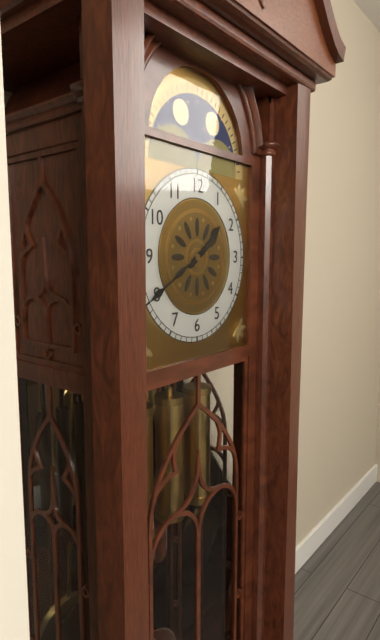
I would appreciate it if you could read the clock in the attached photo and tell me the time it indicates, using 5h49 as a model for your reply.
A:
1h40
